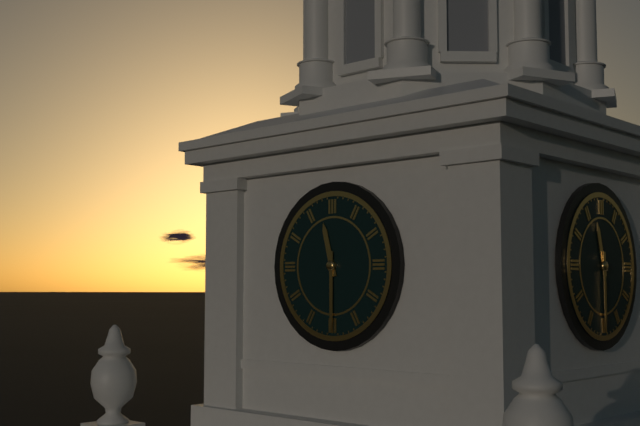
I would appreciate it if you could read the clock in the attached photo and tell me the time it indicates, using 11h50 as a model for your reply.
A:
11h30
